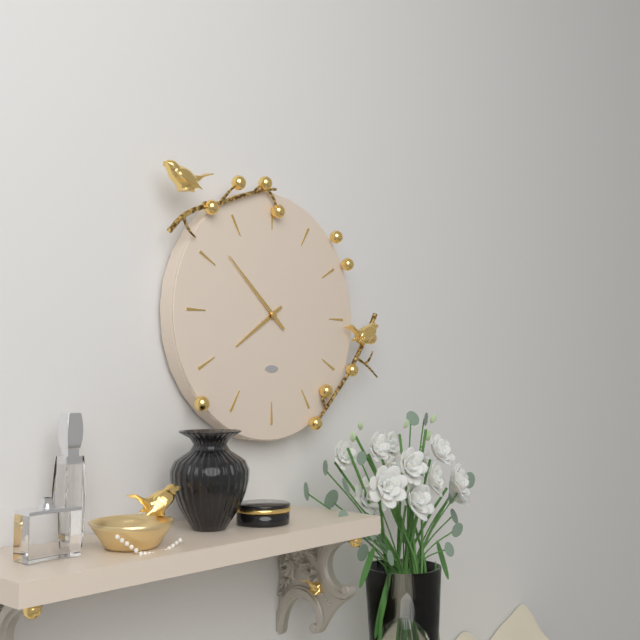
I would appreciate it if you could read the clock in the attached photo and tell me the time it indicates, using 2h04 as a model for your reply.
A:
7h52
